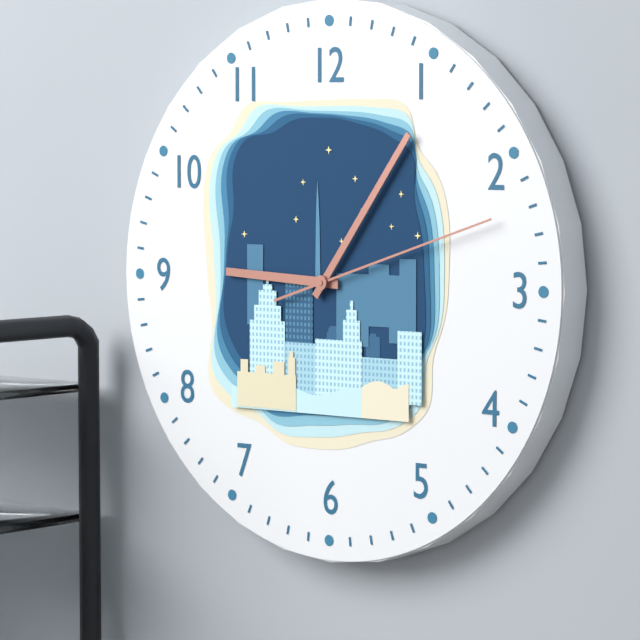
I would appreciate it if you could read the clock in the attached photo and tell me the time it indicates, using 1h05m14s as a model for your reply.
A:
9h06m12s
